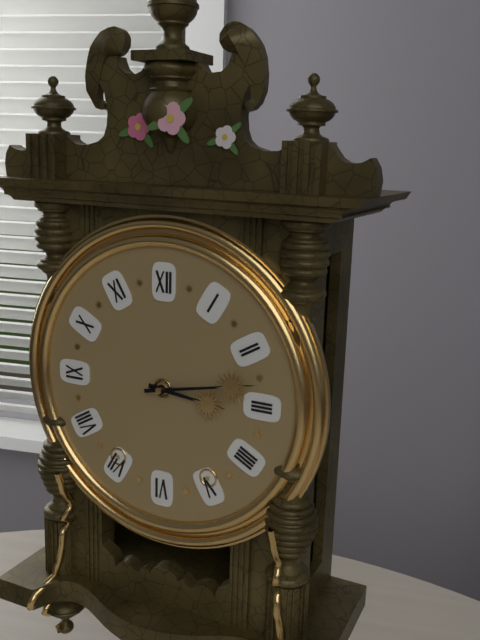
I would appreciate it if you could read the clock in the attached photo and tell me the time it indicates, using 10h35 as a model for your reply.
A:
3h13
